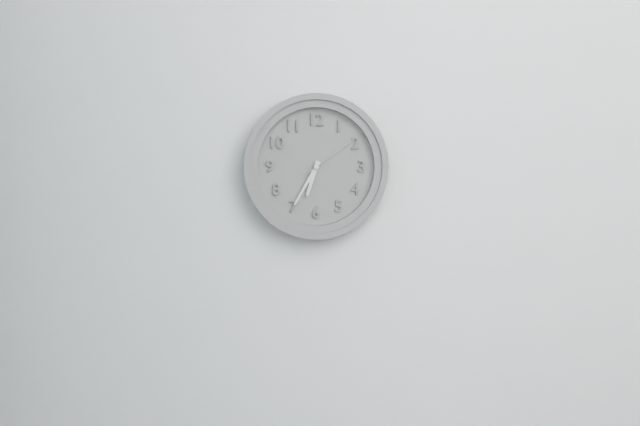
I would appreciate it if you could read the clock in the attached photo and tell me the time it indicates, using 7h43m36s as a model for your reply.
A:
6h35m09s
